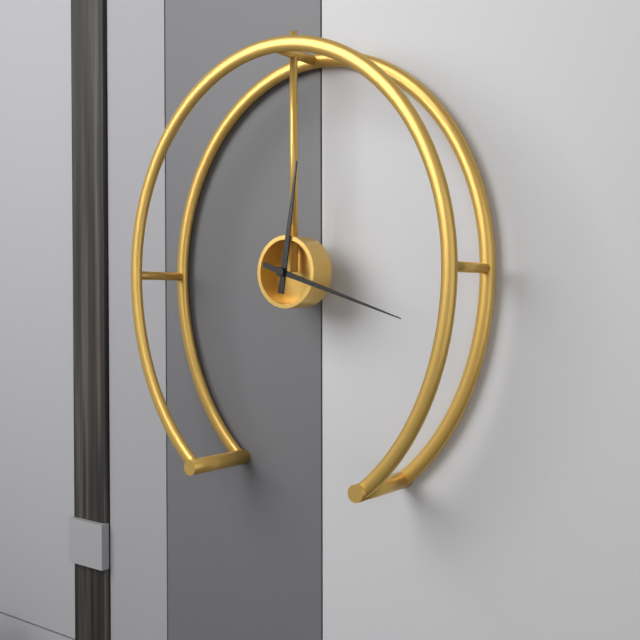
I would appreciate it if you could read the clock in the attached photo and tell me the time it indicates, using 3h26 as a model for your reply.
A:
12h18
